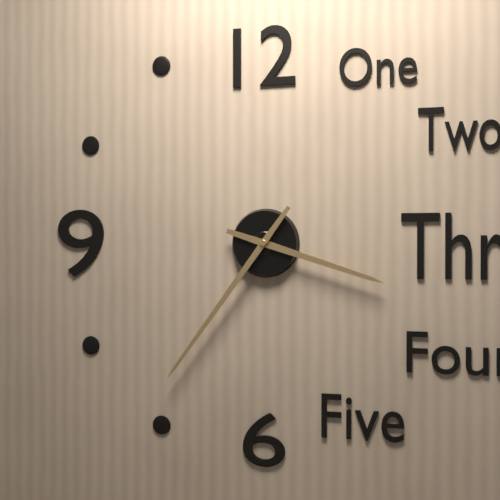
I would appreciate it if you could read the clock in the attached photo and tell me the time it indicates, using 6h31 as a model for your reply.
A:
3h36
